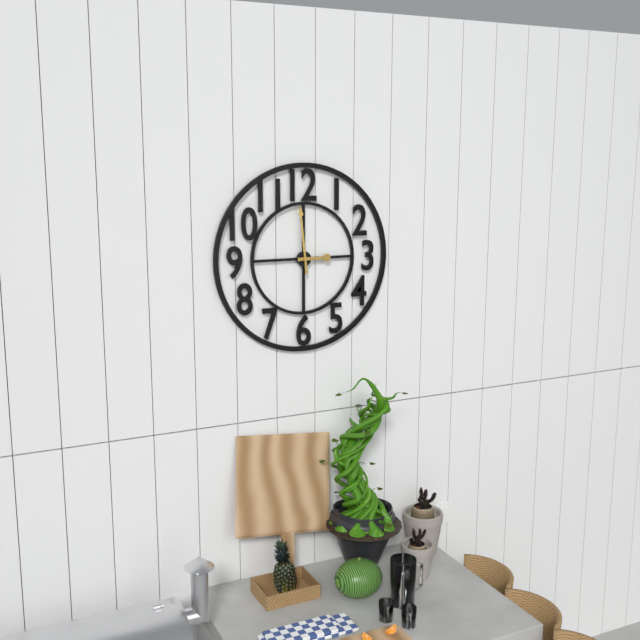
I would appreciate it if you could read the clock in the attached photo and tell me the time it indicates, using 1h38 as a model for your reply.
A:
2h59
